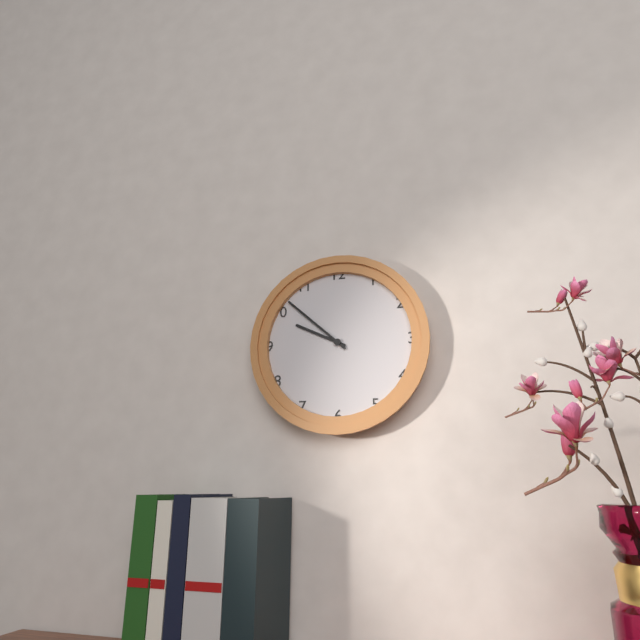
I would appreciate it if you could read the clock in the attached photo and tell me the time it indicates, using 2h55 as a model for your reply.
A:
9h52
